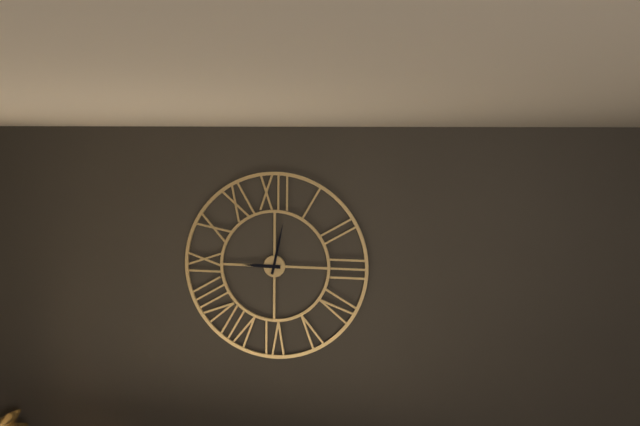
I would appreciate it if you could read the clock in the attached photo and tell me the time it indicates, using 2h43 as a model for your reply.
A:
9h02
